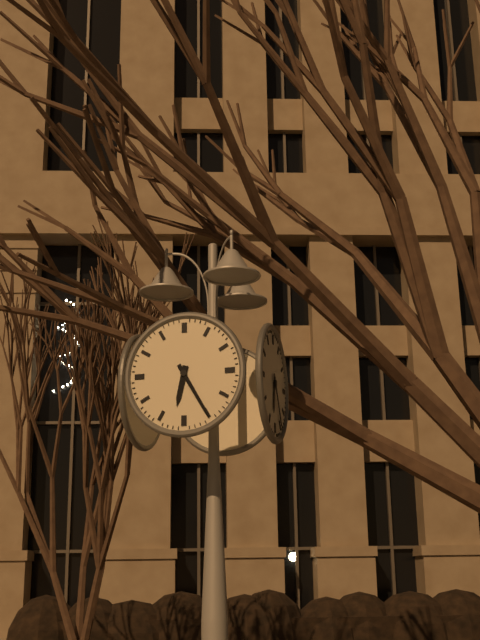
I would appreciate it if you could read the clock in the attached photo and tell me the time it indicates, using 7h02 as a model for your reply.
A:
6h25
